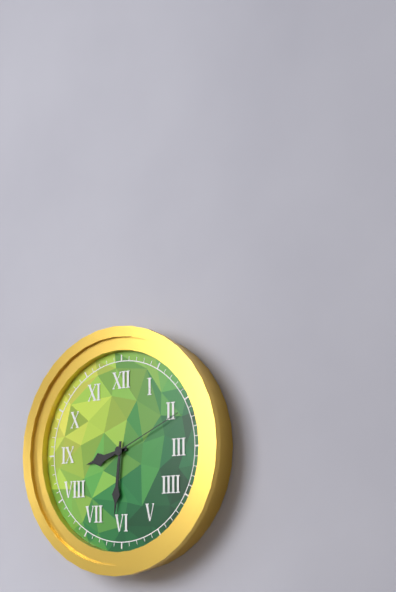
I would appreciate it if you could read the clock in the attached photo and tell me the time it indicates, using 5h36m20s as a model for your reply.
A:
8h31m11s
